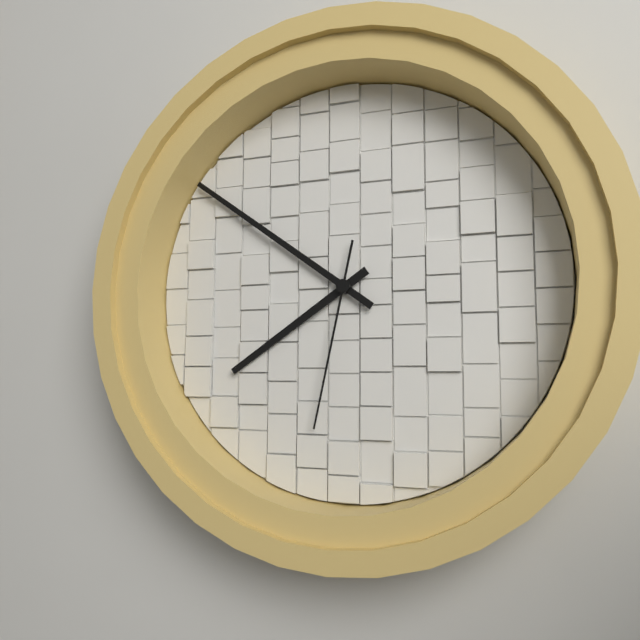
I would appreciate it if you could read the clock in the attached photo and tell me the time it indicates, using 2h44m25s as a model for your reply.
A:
7h51m32s
